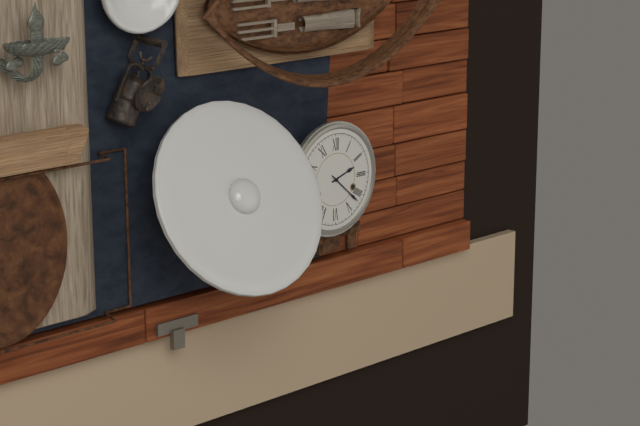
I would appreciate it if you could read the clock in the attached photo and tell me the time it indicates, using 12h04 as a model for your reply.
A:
2h22
